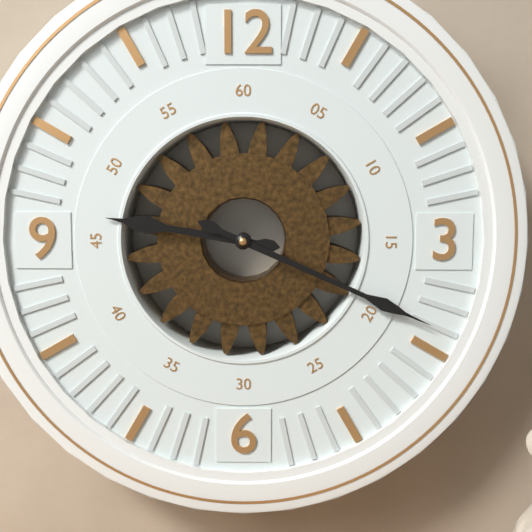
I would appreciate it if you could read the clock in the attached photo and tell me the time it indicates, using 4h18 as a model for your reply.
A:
9h19
